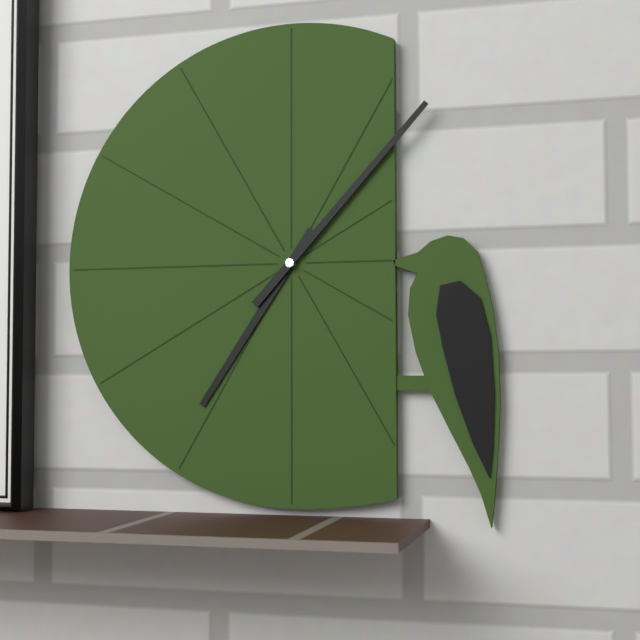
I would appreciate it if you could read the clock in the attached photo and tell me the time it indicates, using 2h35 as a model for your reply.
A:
7h07
